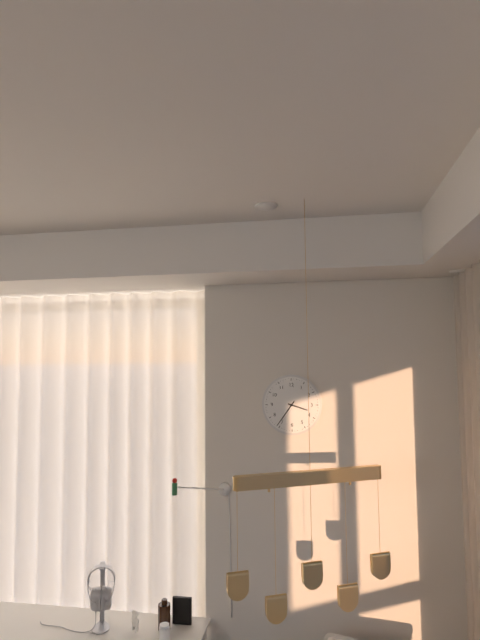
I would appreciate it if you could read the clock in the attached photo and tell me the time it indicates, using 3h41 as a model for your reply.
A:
3h36
